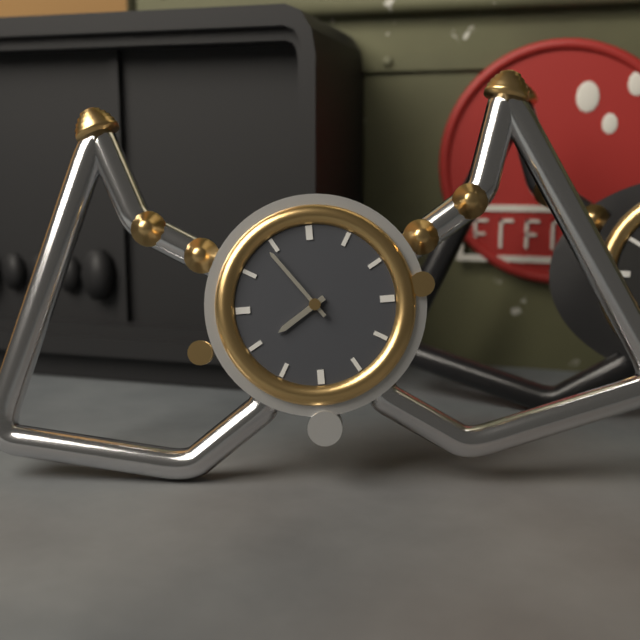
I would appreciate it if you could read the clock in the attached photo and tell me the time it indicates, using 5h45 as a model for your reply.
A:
7h54
